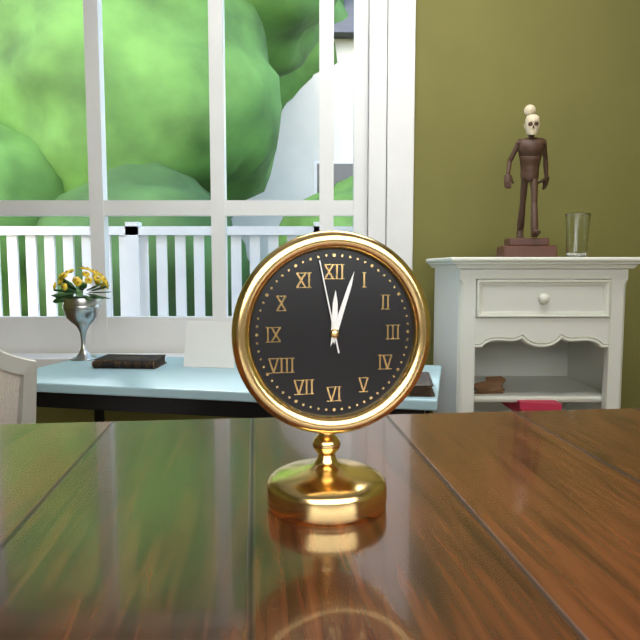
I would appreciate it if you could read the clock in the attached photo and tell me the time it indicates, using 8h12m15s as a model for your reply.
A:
12h03m58s
